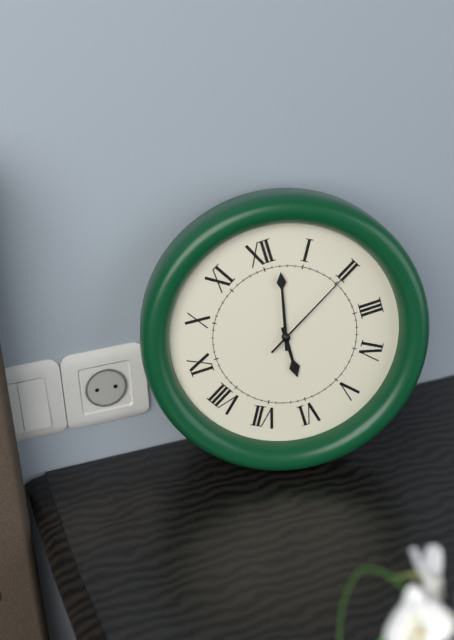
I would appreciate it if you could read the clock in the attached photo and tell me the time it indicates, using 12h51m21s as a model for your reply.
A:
6h02m10s
